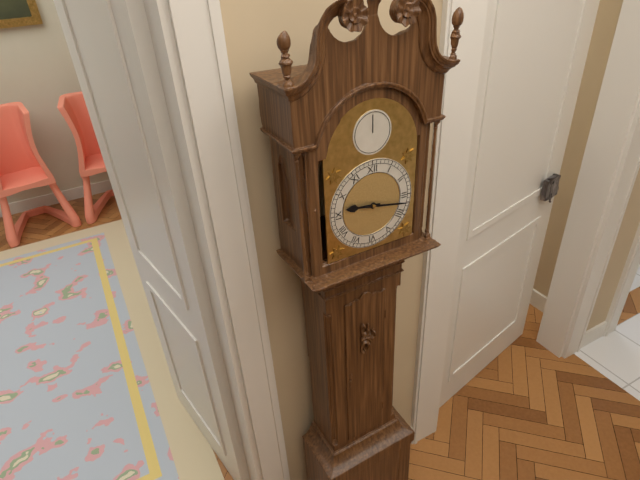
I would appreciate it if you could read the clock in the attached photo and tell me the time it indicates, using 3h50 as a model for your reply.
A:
9h17
